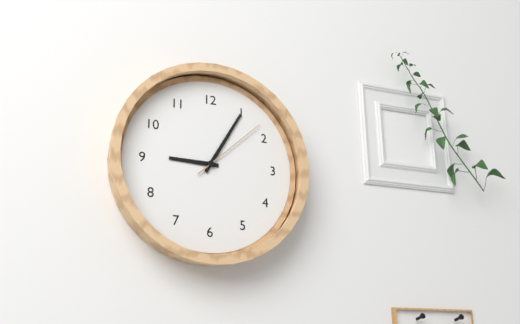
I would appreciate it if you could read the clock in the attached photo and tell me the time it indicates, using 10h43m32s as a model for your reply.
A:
9h05m08s
